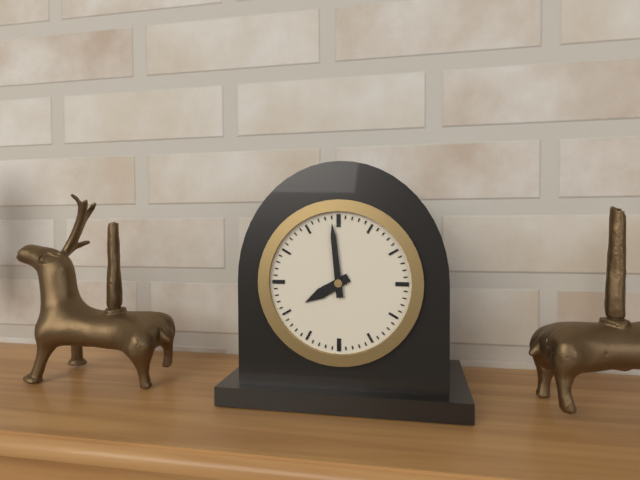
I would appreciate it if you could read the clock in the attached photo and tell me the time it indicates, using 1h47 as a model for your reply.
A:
7h59
